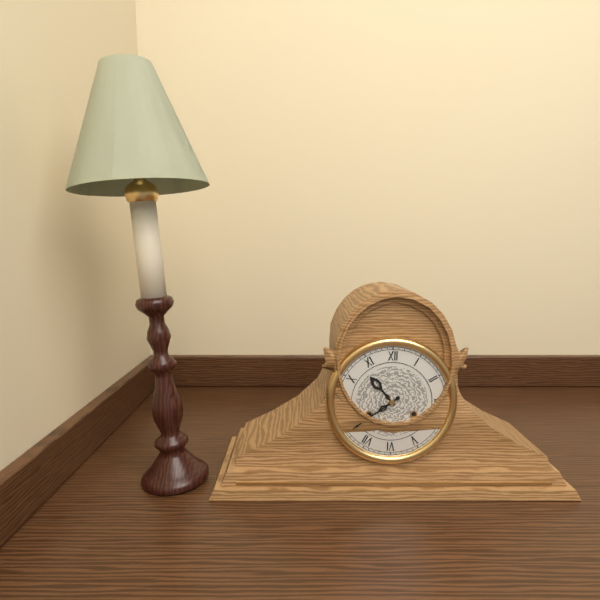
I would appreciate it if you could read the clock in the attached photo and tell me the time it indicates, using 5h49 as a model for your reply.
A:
10h39
